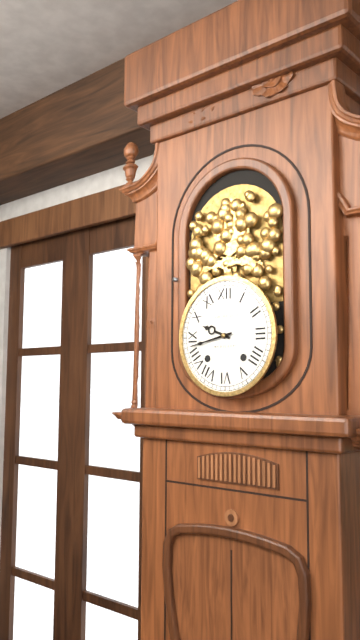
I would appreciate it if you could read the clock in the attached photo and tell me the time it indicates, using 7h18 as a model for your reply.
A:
9h43
